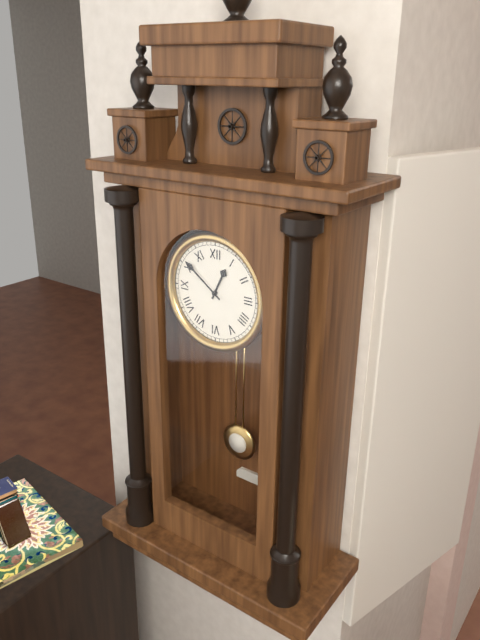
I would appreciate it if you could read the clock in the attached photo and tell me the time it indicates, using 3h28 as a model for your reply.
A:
12h51
